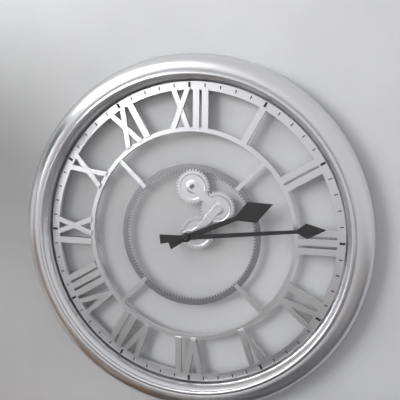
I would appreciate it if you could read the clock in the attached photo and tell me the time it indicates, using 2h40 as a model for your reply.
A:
2h14
